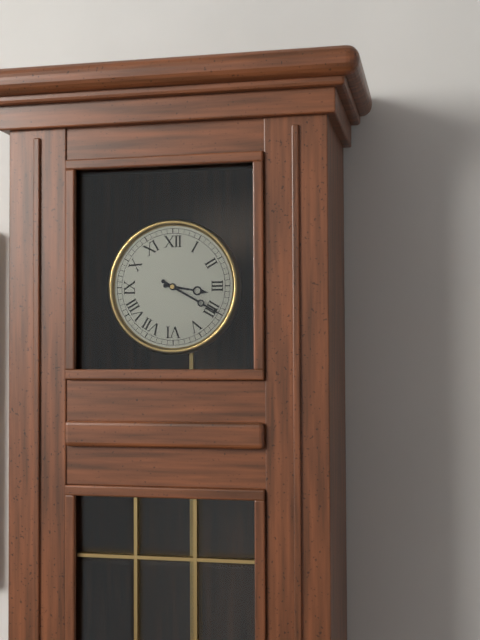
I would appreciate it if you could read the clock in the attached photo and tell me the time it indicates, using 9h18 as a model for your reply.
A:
3h20
